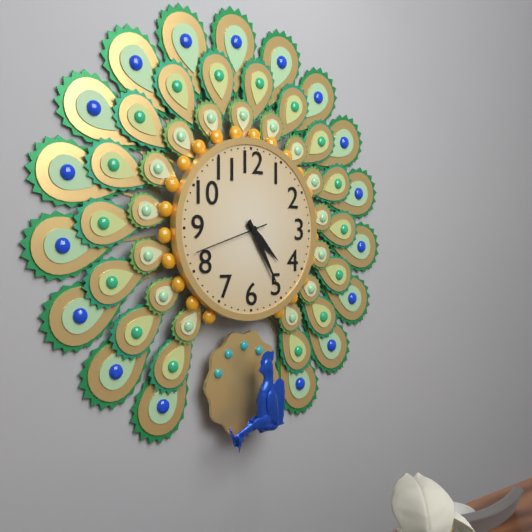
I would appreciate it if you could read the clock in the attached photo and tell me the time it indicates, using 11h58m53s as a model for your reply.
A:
4h25m42s
